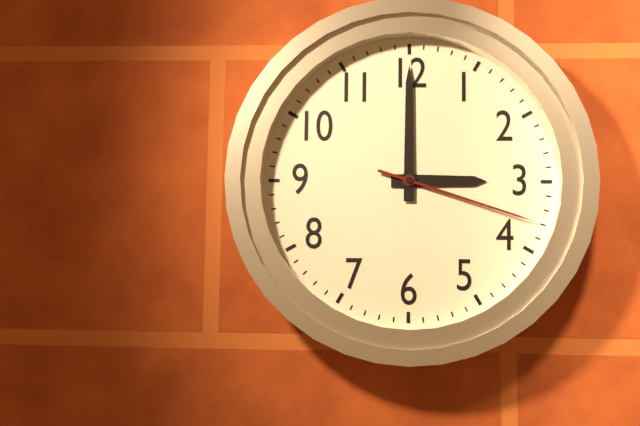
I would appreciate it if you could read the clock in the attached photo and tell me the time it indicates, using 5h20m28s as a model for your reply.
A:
3h00m18s
